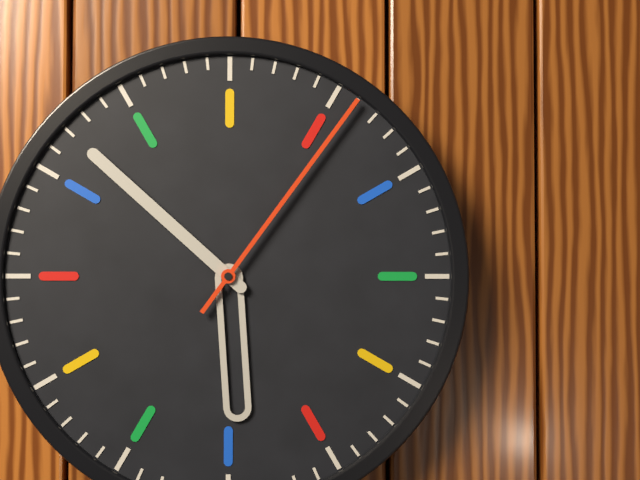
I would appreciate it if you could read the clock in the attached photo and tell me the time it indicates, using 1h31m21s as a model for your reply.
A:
5h52m06s
